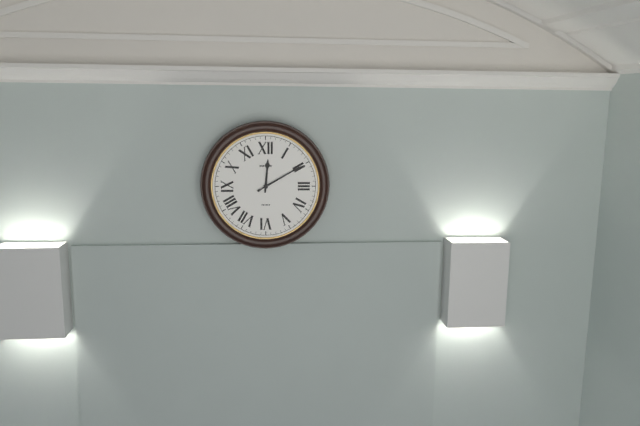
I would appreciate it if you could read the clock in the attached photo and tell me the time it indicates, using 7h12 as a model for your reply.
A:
12h10
